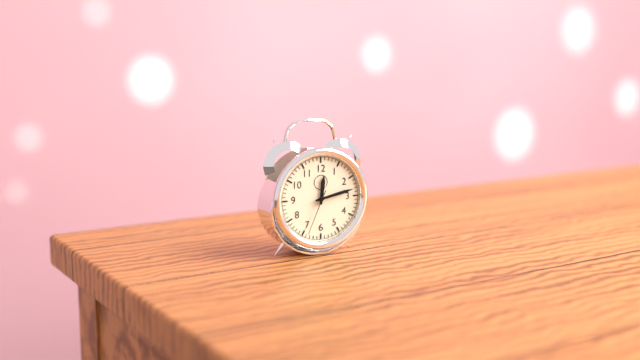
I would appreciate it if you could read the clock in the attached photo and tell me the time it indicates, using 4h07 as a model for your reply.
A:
12h13
